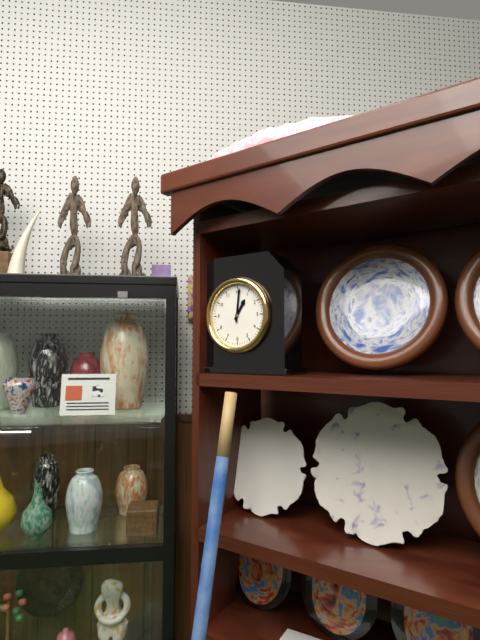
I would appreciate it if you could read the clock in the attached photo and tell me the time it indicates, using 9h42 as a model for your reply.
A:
1h01
